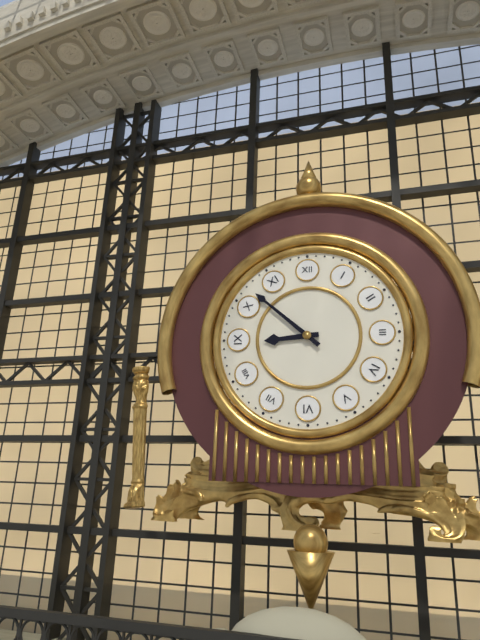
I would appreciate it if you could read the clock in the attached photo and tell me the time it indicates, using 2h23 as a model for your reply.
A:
8h52
